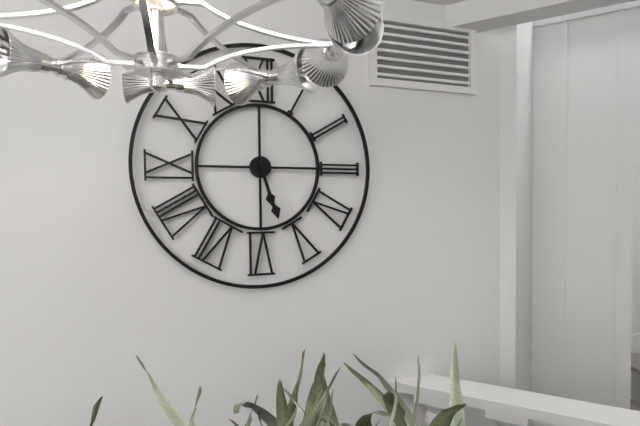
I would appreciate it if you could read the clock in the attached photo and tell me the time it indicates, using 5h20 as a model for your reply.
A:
5h27
